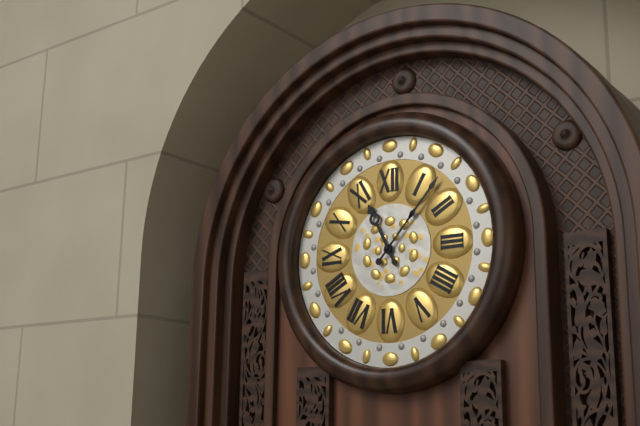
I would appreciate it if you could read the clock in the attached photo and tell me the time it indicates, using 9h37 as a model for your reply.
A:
11h07
